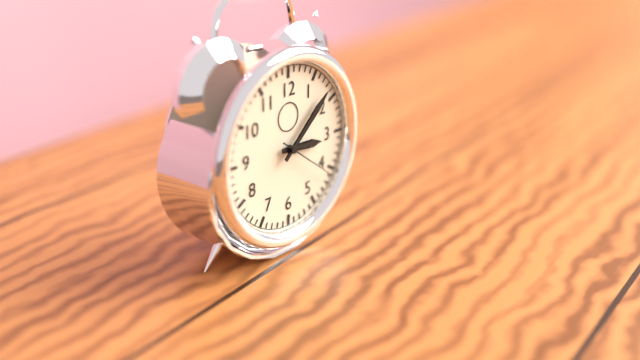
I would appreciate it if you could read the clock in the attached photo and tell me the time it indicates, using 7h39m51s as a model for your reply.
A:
3h08m21s
